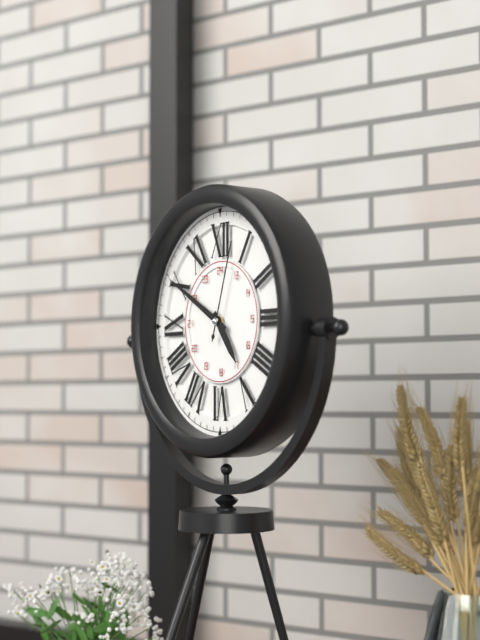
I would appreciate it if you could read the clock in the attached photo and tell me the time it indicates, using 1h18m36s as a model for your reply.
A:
4h50m03s
